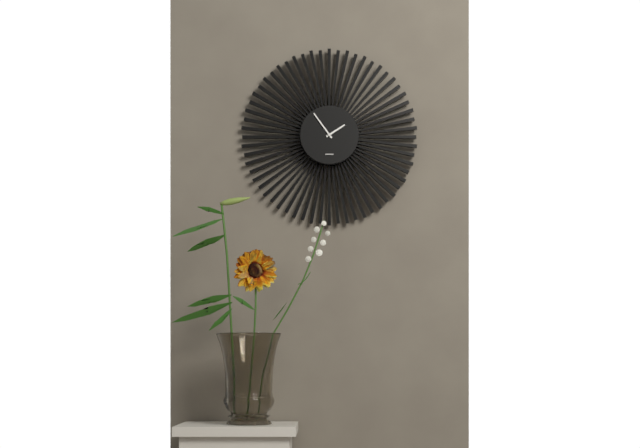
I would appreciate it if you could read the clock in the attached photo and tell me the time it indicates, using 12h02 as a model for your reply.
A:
1h54
